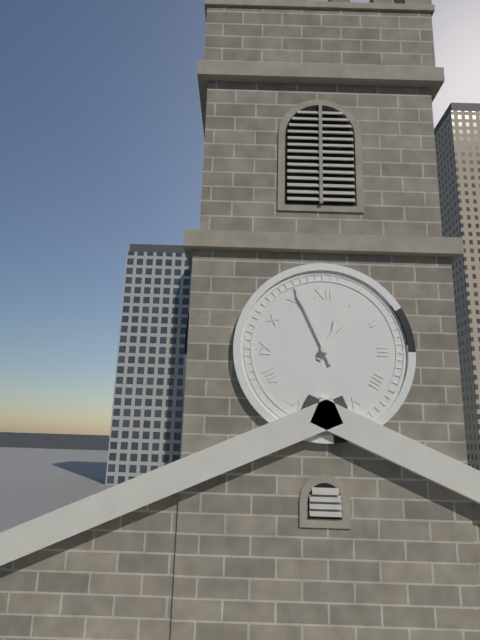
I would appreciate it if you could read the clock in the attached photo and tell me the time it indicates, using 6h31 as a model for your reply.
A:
12h56
